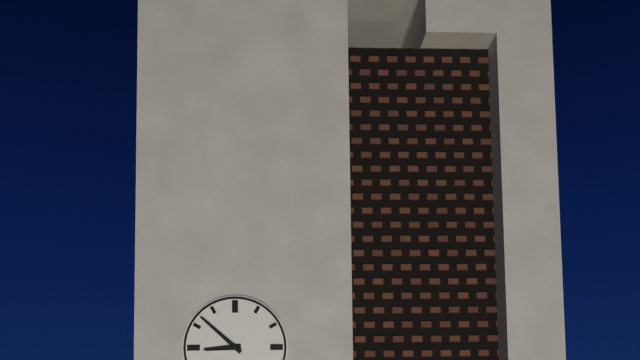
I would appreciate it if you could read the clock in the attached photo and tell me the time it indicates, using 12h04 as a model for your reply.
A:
8h52
